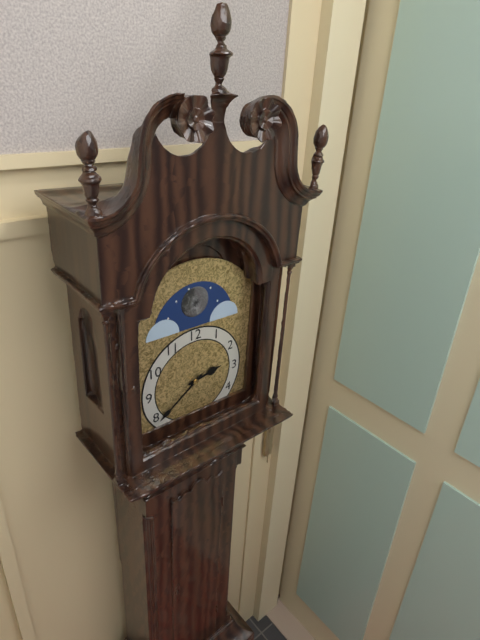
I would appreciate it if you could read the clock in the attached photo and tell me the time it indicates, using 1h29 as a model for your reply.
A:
2h39
